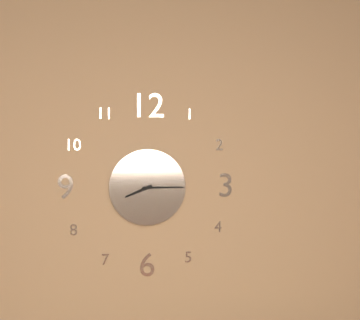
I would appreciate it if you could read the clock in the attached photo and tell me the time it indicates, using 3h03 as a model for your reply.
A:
8h15
